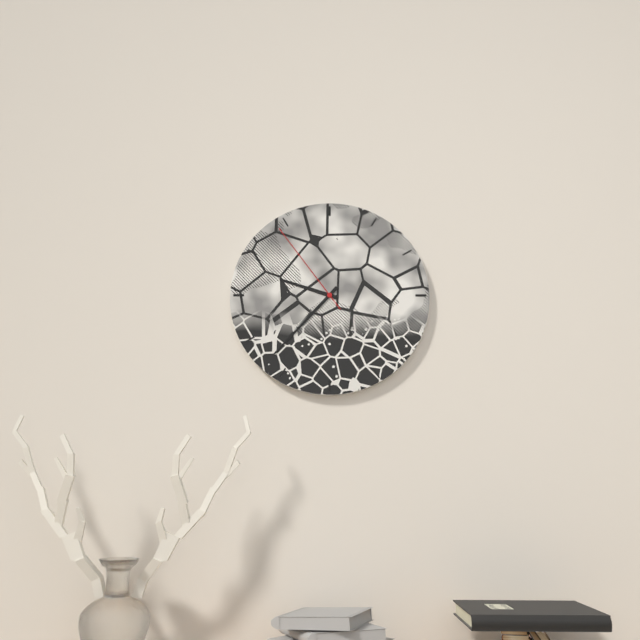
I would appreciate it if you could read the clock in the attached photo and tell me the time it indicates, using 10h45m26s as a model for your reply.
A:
9h37m54s
